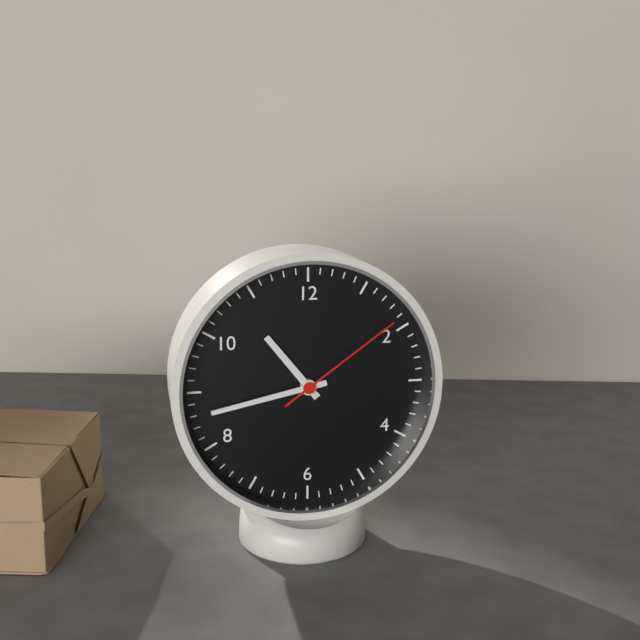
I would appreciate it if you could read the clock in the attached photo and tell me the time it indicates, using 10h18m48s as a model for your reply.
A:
10h43m09s
